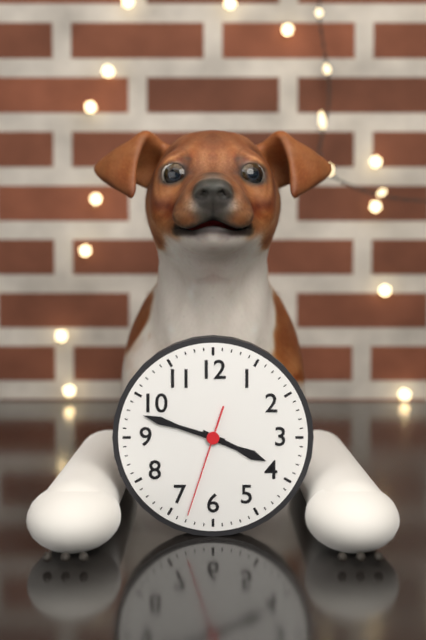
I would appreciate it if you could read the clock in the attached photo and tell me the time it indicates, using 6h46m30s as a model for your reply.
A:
3h48m33s
